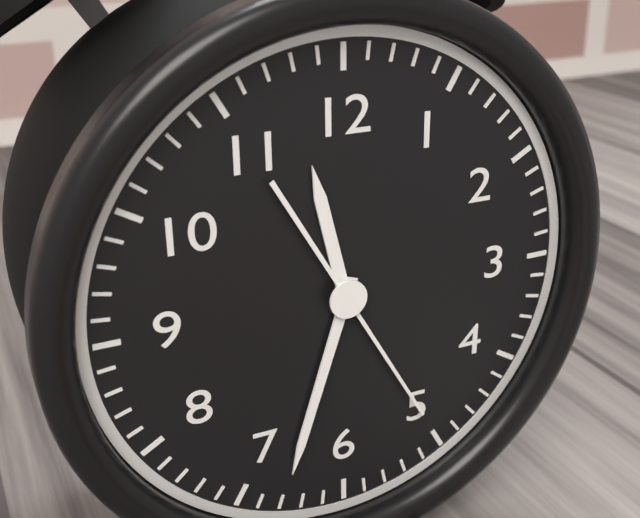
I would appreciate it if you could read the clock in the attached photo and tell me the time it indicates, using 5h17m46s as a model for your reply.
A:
11h33m25s
